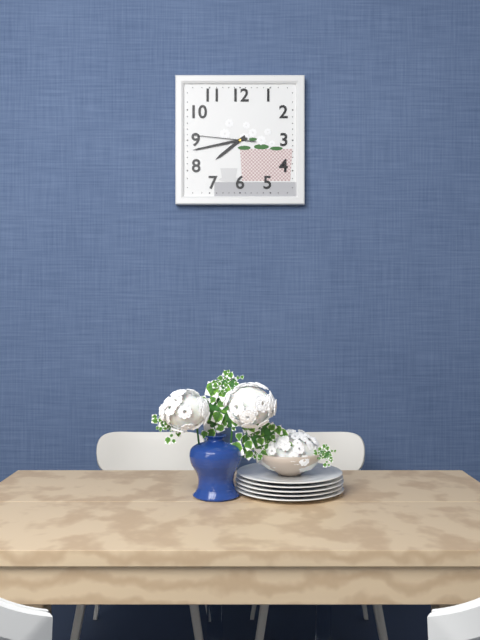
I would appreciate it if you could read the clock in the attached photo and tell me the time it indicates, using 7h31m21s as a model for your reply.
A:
7h43m46s
